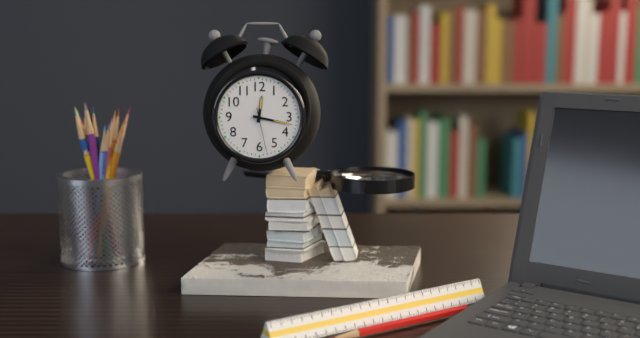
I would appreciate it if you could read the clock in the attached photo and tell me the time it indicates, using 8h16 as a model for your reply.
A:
12h17
